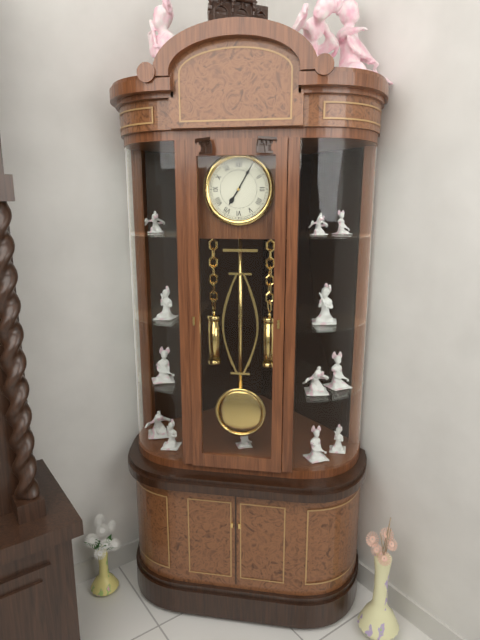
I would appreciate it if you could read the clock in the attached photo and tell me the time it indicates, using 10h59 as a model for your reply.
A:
7h05
